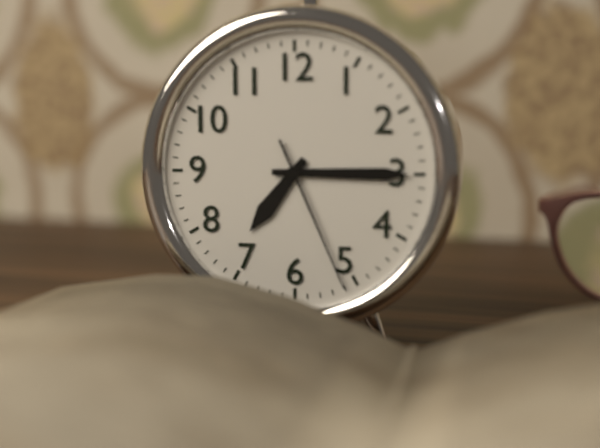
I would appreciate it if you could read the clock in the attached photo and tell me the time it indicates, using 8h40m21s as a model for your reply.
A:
7h15m26s
